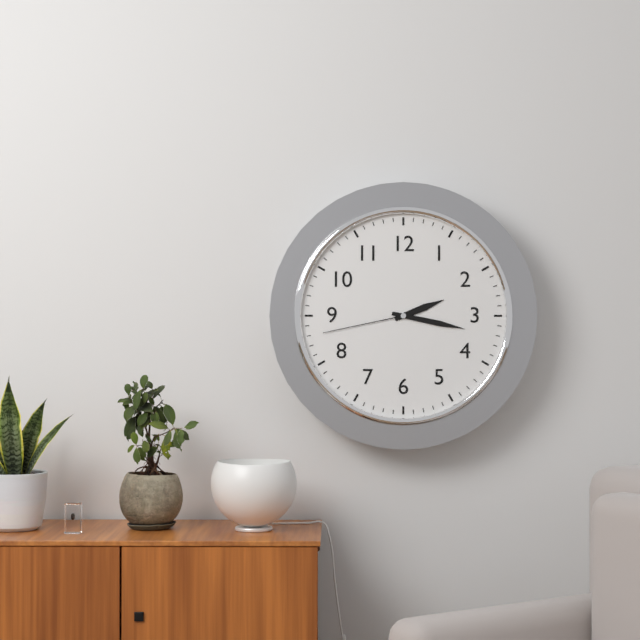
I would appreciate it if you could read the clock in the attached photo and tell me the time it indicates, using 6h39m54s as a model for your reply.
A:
2h17m43s
